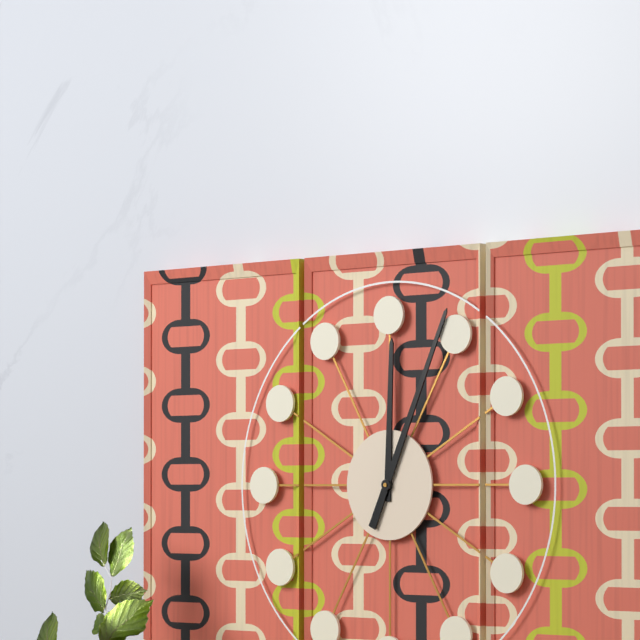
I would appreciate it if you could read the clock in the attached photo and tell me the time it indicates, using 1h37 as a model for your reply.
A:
12h04
